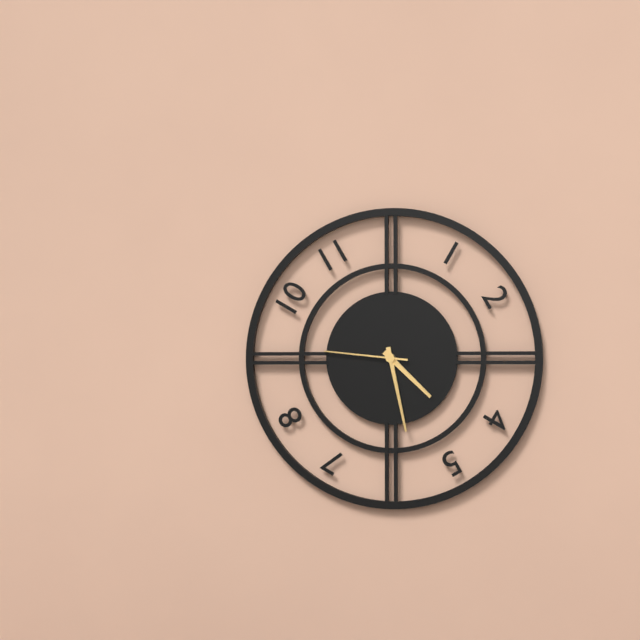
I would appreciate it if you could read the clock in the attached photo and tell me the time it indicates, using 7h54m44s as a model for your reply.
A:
4h28m46s
